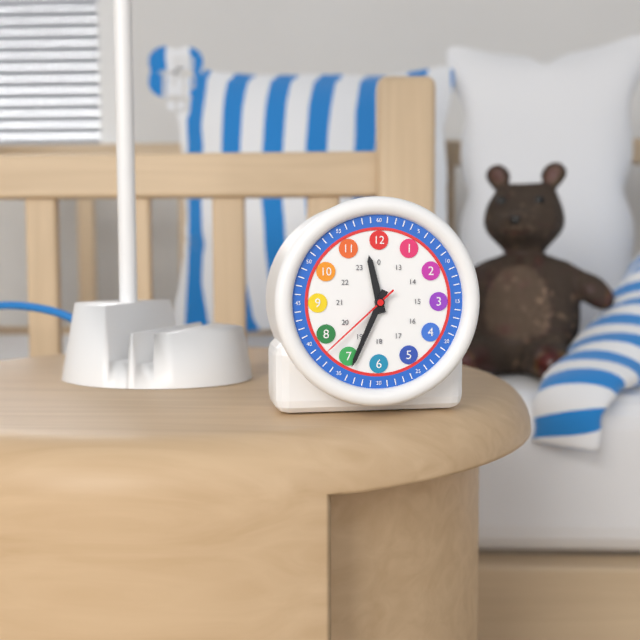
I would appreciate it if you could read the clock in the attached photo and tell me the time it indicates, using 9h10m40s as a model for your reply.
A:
11h34m38s
